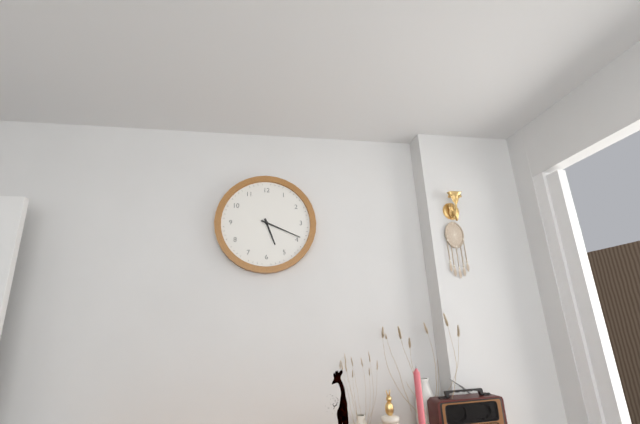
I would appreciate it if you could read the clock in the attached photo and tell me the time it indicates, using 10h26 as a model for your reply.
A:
5h19
